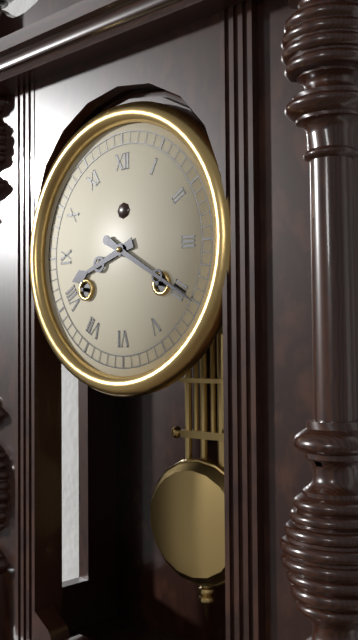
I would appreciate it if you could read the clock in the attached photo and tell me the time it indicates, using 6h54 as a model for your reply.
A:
8h20
